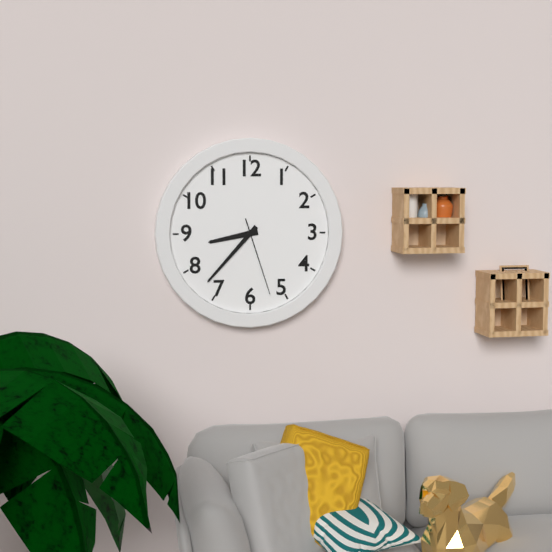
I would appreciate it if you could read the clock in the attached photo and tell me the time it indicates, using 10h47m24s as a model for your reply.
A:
8h37m27s
